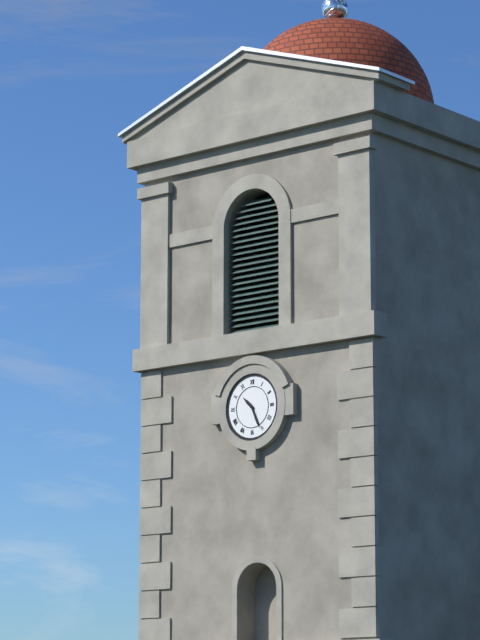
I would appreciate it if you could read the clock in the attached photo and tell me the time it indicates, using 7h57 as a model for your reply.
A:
10h26
